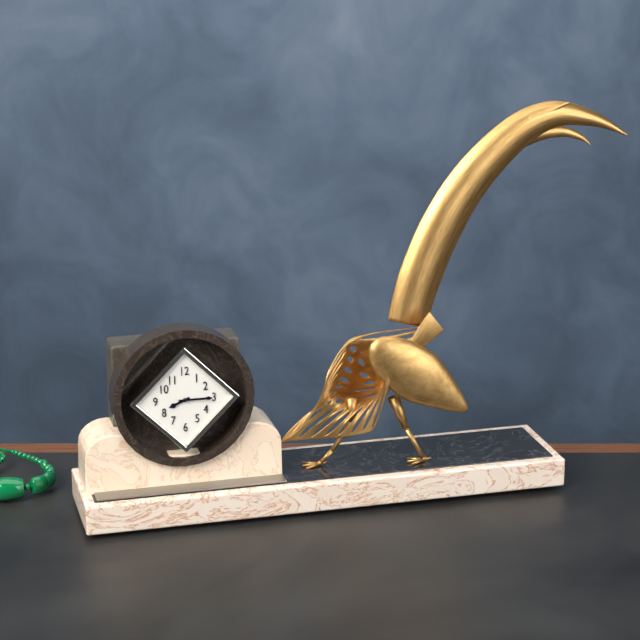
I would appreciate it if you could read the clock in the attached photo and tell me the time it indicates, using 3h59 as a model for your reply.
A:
8h15
